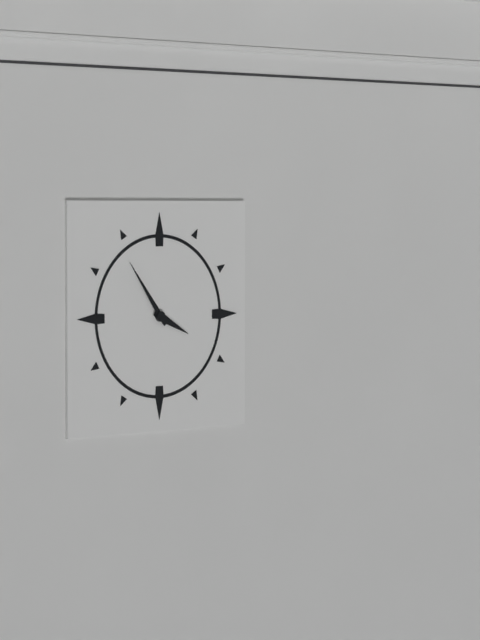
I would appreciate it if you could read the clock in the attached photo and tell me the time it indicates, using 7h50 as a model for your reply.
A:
3h54
